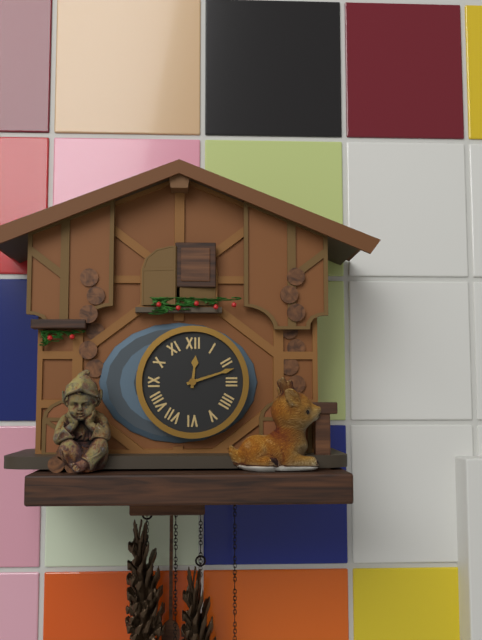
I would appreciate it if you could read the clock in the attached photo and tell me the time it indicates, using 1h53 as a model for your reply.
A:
12h12
